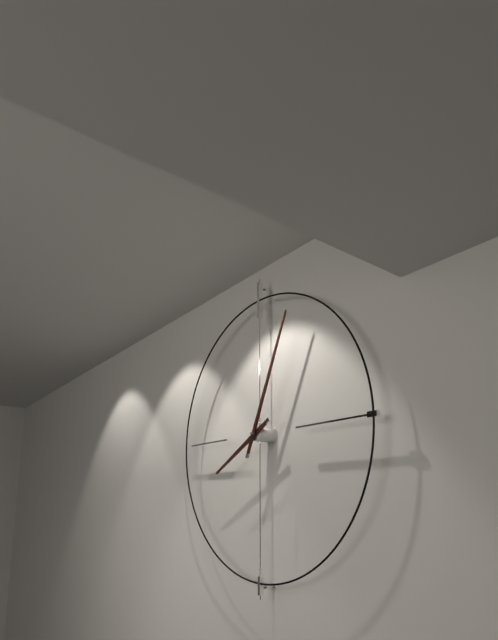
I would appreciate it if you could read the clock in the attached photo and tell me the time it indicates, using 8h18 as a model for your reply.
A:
8h04
